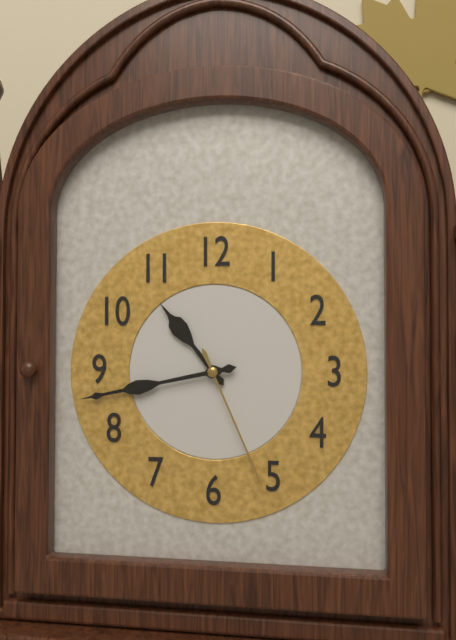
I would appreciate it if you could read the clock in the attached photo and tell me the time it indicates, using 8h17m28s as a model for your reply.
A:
10h43m26s
